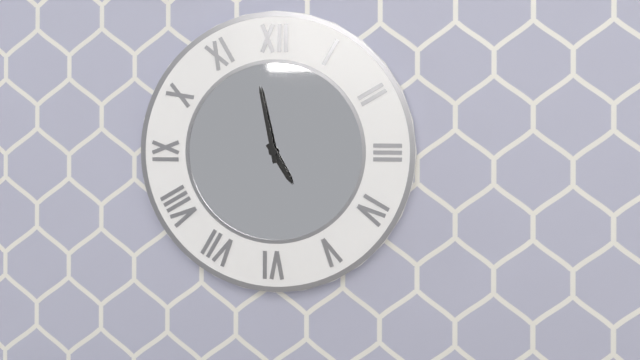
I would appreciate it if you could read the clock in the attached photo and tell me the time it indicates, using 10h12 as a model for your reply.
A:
4h58
